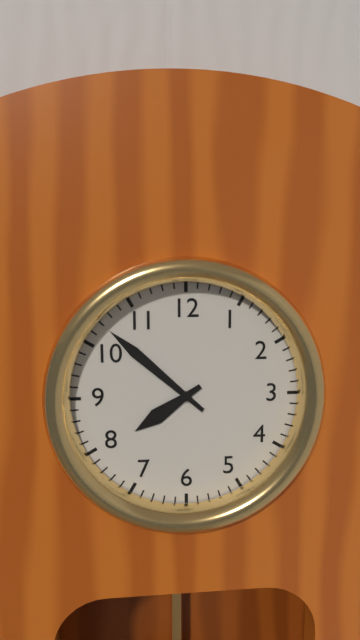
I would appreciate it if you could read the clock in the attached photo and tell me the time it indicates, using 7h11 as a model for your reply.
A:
7h52
